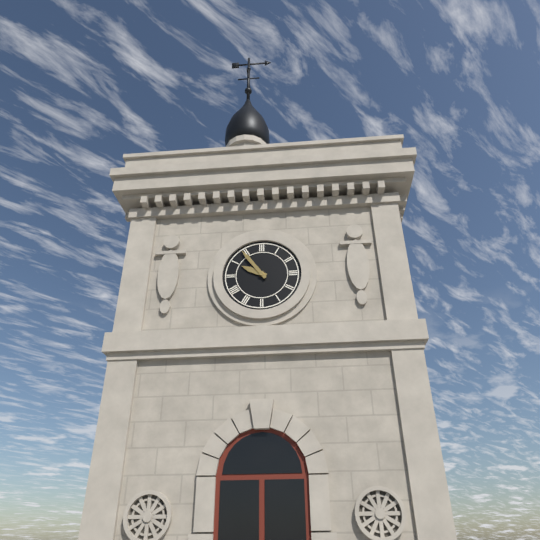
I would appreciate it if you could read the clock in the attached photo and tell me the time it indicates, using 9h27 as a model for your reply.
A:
9h54
